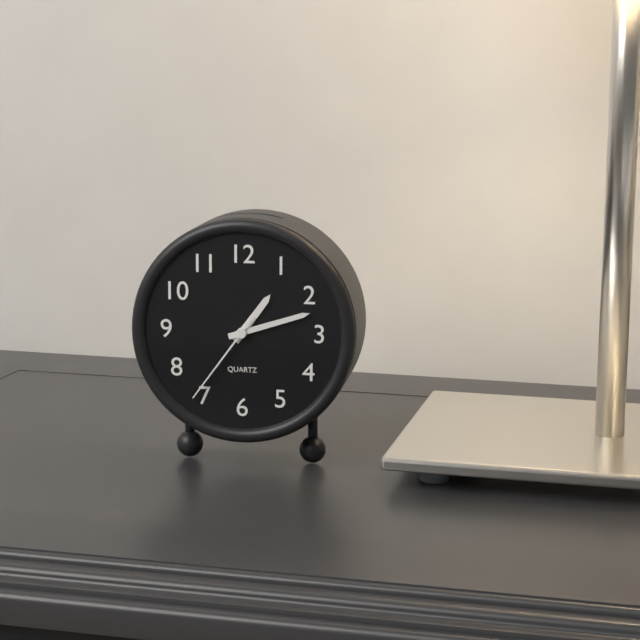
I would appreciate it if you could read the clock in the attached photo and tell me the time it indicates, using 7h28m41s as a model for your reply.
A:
1h12m36s
